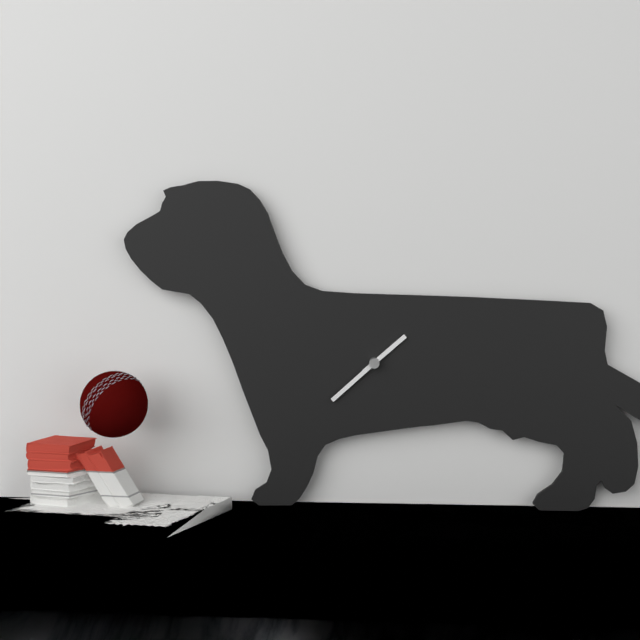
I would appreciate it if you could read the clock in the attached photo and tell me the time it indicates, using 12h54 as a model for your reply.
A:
1h38
